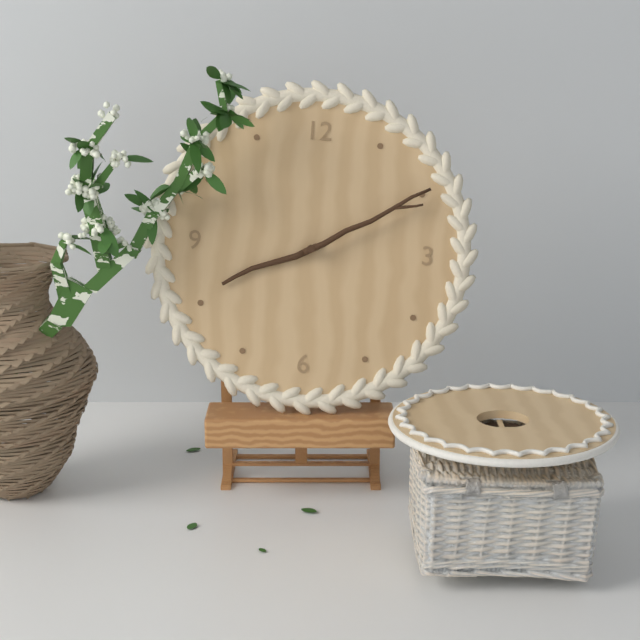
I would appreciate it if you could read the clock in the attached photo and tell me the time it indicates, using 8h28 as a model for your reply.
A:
8h10
